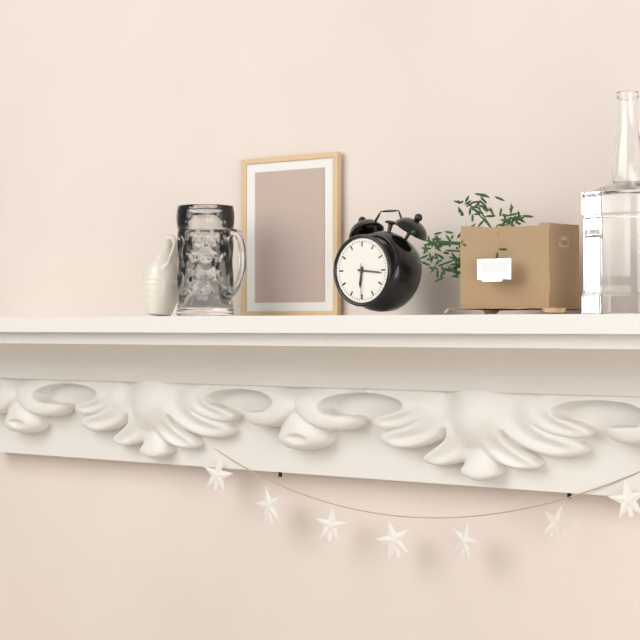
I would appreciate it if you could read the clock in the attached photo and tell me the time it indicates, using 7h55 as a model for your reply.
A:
6h16
